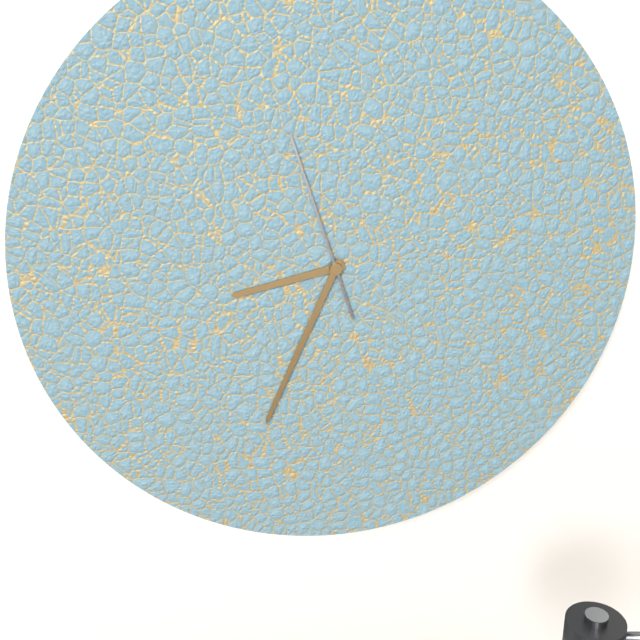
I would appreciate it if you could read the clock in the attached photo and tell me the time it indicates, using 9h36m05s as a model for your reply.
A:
8h34m57s
